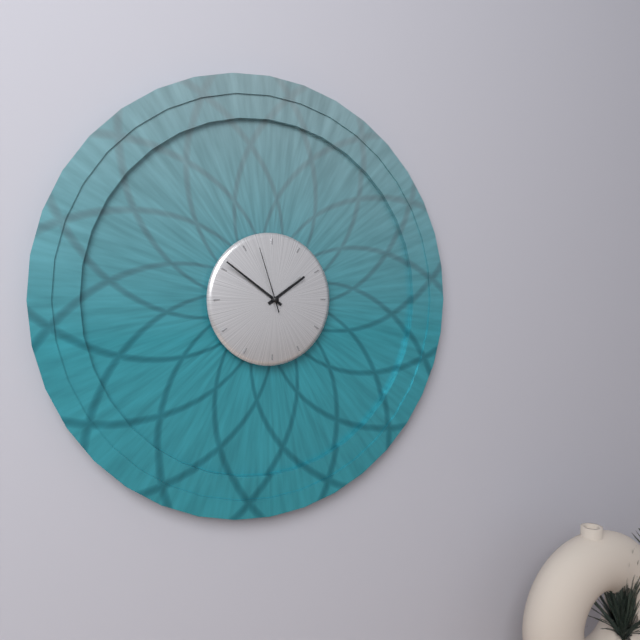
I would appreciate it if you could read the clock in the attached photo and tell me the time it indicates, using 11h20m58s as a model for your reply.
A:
1h51m57s
